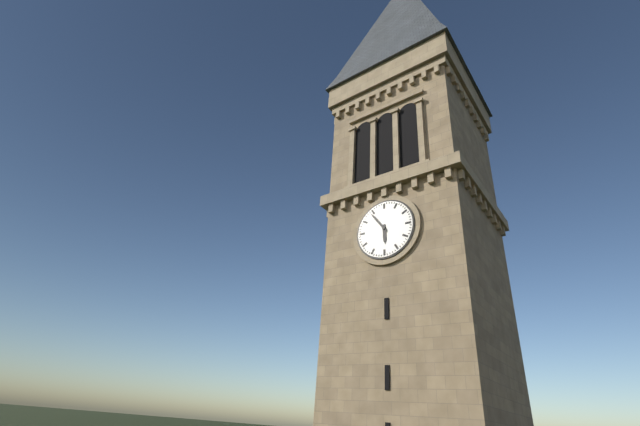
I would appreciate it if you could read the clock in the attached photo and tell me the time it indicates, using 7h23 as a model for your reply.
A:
5h54
